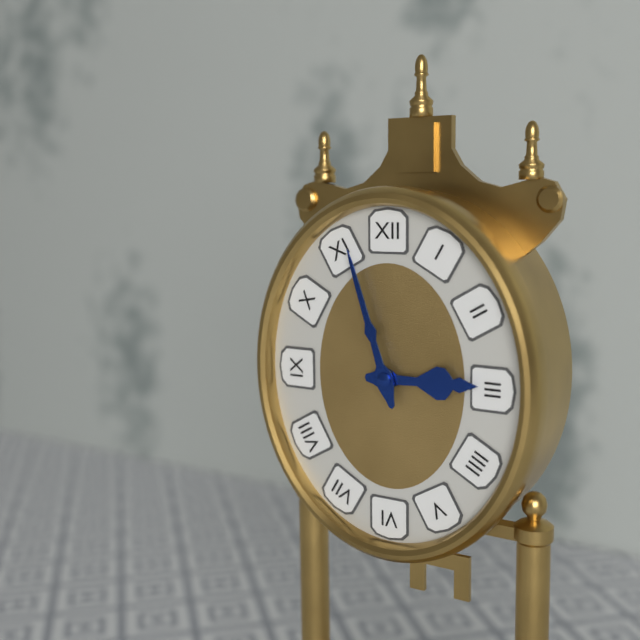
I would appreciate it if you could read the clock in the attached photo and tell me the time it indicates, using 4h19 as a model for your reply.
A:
2h57
